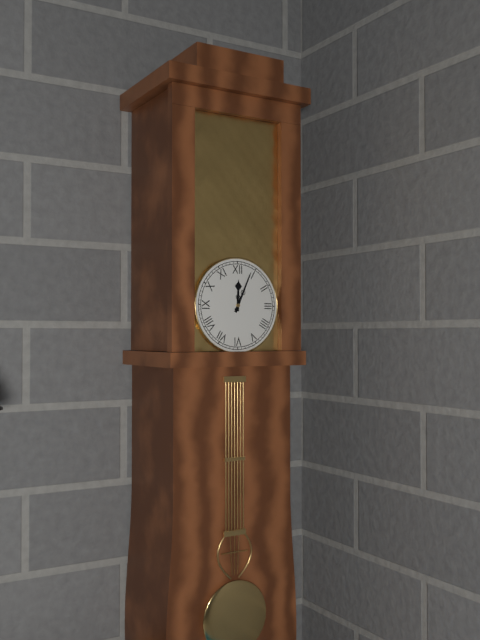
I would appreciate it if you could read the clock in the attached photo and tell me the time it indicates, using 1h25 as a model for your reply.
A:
12h04
